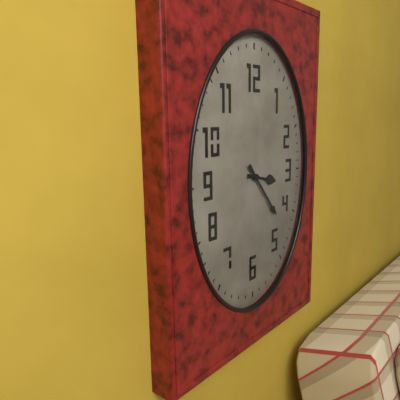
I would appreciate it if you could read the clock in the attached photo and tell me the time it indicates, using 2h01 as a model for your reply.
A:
3h23
